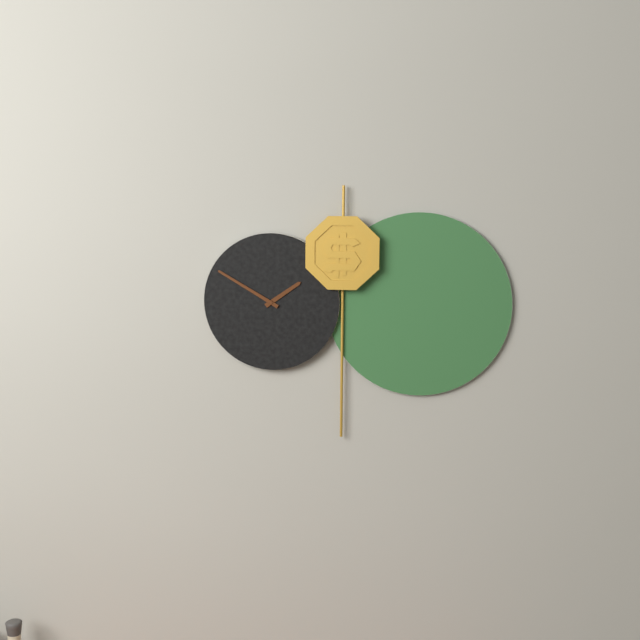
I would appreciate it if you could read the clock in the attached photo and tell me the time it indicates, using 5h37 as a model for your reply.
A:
1h50
